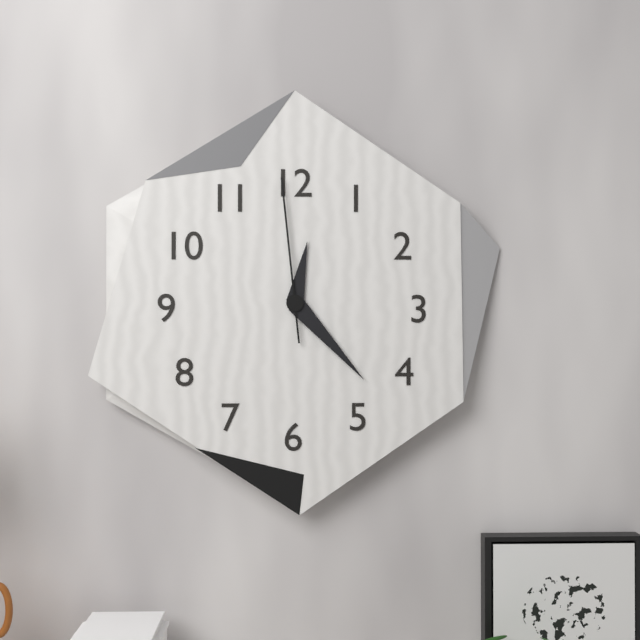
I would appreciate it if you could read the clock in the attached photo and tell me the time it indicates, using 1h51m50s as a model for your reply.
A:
12h23m59s
